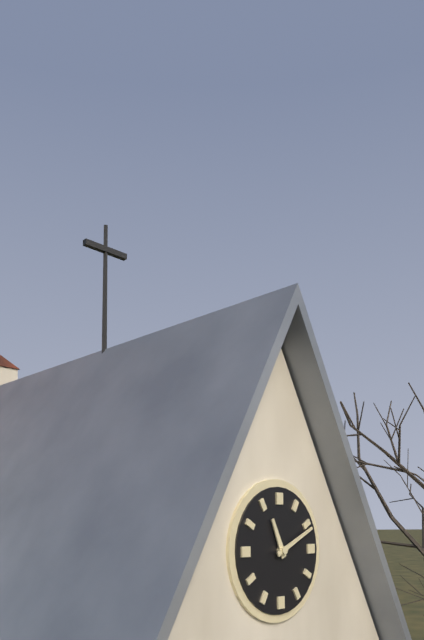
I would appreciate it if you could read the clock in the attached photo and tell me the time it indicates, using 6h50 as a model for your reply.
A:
11h11
